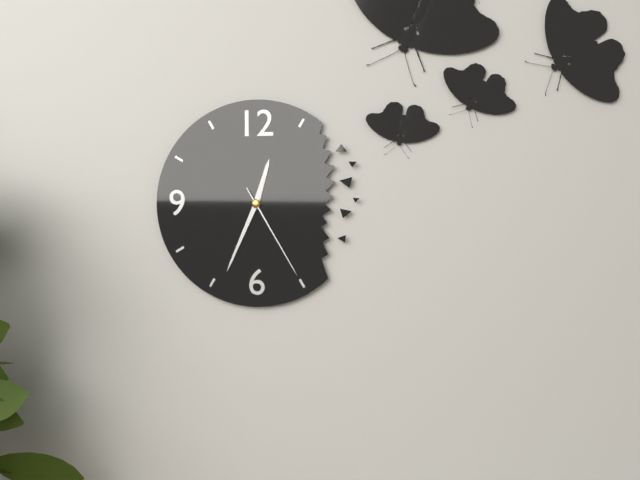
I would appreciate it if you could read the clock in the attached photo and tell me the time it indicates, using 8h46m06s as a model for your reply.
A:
12h34m25s
